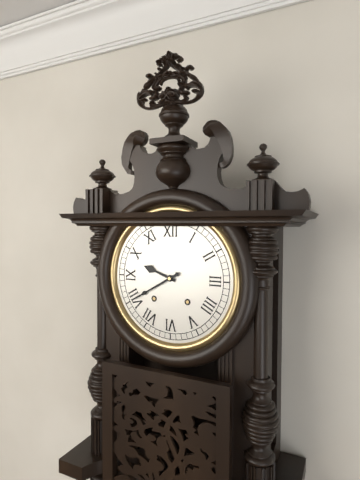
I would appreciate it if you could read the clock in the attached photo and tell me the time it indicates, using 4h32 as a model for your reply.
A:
9h40
